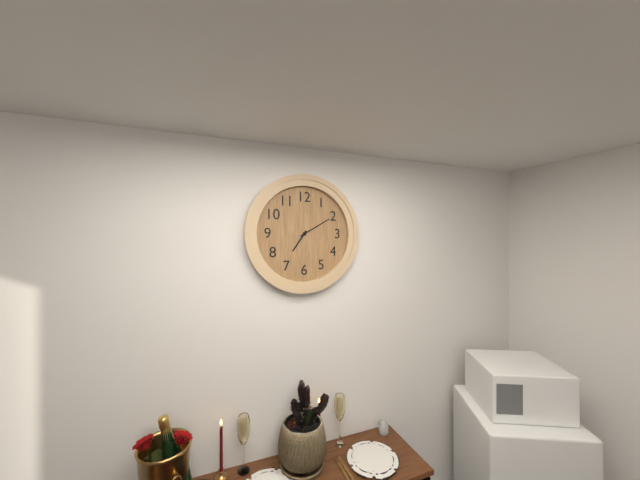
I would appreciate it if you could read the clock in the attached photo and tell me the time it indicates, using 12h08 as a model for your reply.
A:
7h10
